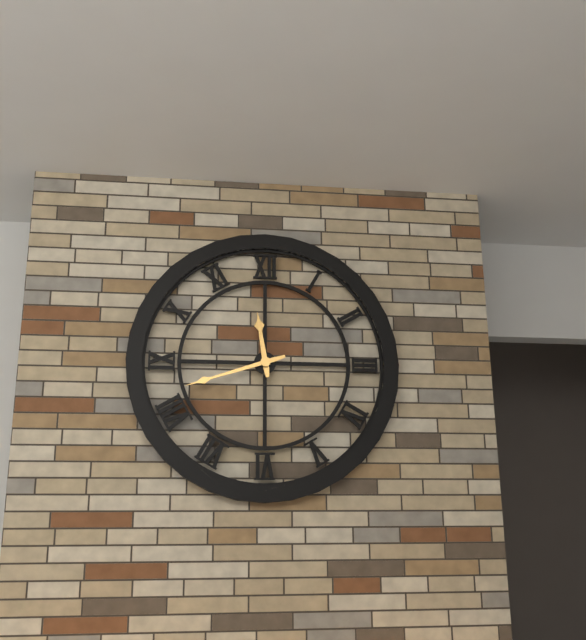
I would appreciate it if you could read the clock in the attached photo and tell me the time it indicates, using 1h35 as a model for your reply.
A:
11h42
